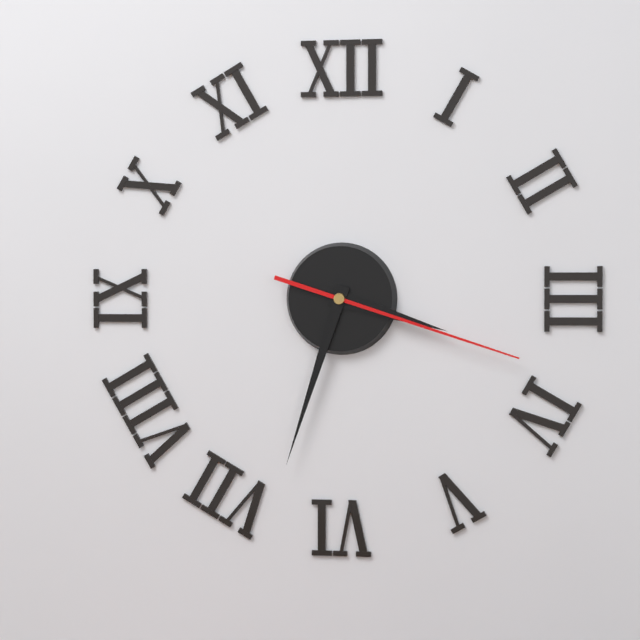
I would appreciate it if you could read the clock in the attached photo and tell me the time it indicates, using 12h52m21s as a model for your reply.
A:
3h33m18s
